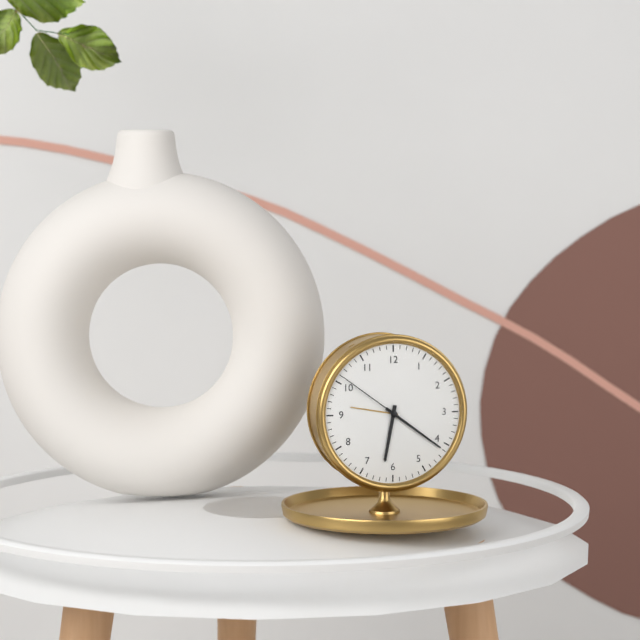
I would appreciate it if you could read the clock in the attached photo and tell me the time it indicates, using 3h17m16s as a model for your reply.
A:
6h21m51s
